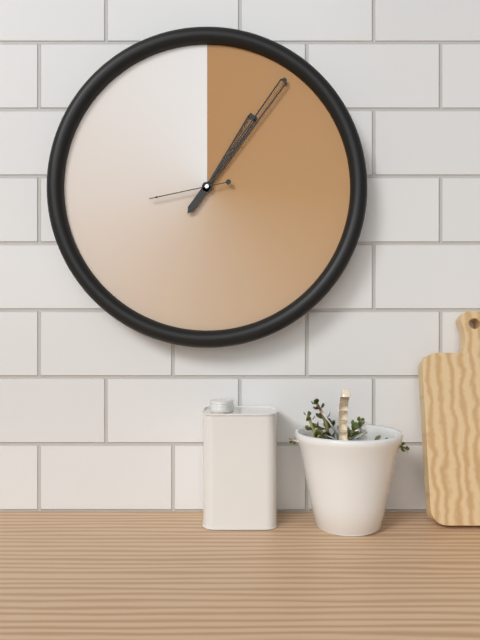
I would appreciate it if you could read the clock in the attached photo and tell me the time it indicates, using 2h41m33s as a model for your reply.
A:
1h06m43s
